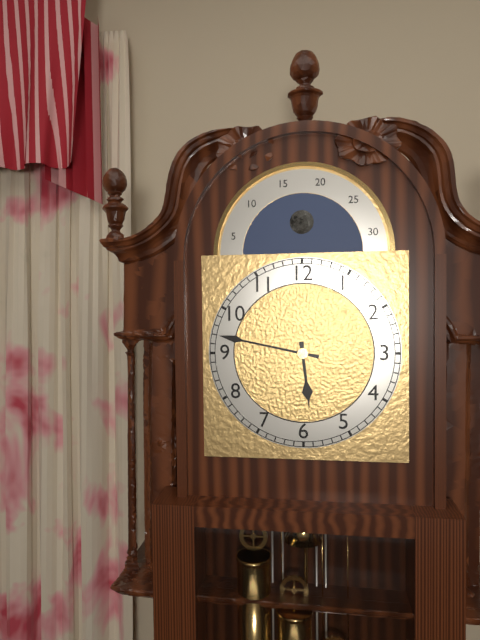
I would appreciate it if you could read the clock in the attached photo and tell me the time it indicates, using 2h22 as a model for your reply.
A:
5h47
